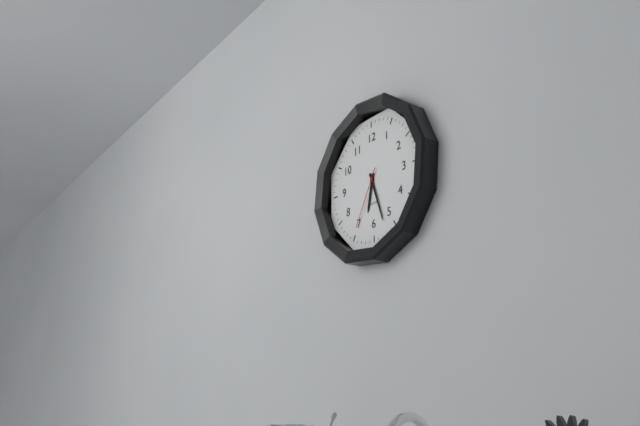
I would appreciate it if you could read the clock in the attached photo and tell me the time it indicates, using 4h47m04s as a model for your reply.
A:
6h27m35s
